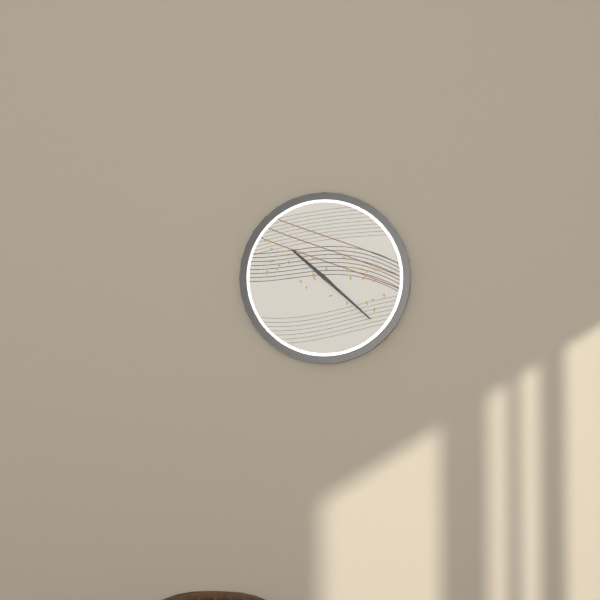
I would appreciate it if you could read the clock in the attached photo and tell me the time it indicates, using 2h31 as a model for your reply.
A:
10h22
